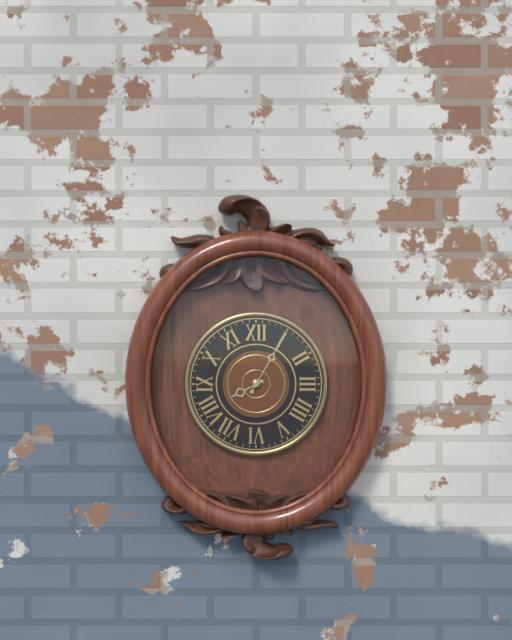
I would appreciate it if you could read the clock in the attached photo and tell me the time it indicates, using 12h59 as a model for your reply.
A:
8h05
